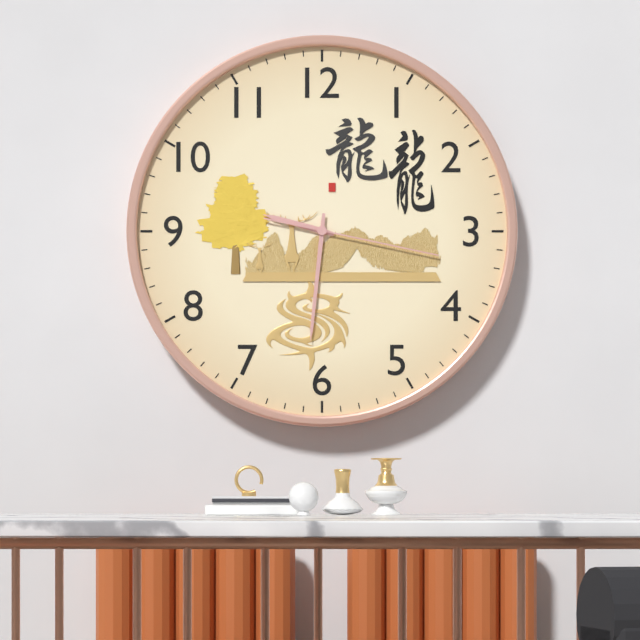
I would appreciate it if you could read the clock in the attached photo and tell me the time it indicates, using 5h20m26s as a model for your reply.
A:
9h31m17s
